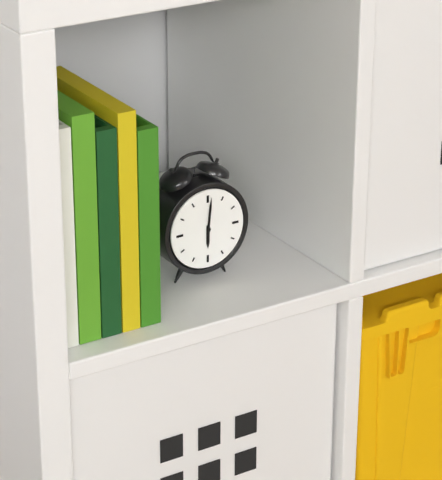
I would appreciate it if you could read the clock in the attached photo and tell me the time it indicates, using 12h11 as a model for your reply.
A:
6h01
